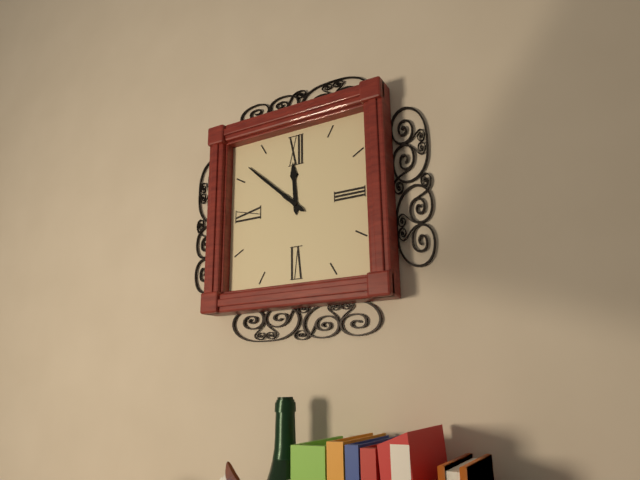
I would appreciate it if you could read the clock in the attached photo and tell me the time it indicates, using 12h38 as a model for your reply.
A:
11h52
